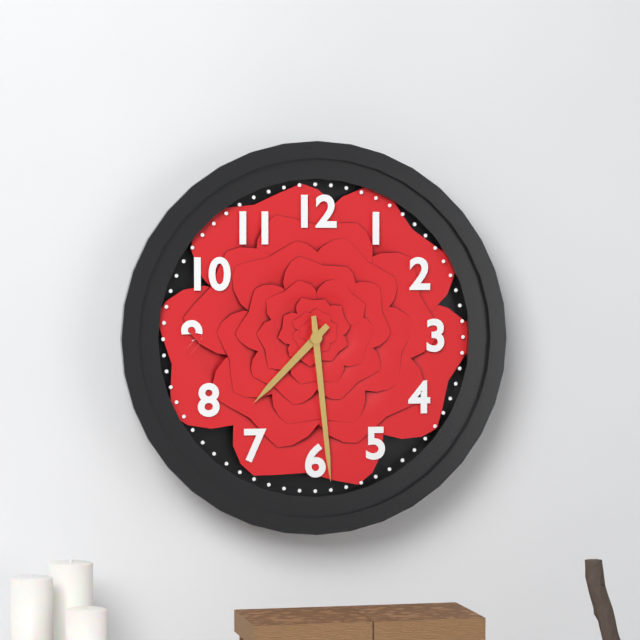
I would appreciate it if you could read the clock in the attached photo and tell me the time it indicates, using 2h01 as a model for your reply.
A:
7h29
